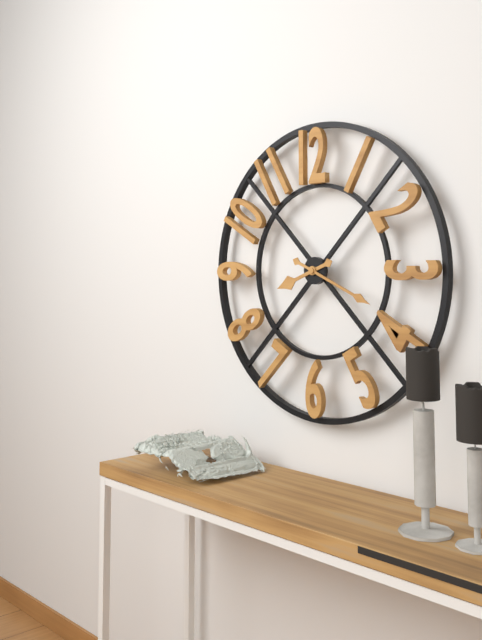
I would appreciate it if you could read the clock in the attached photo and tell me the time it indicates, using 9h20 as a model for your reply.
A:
8h19
